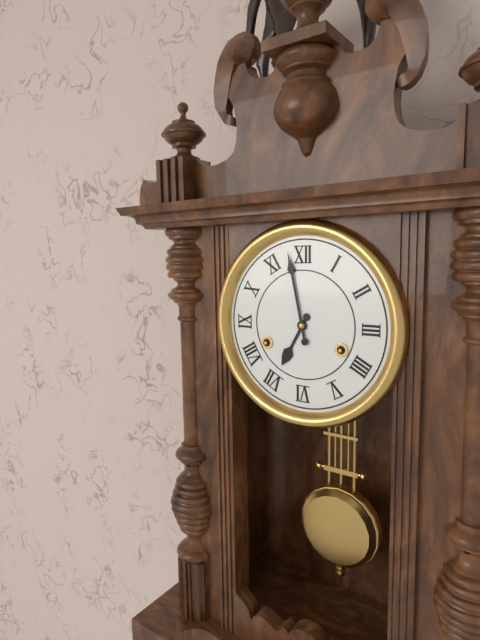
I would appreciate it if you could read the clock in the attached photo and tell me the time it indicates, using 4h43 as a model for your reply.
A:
6h58
